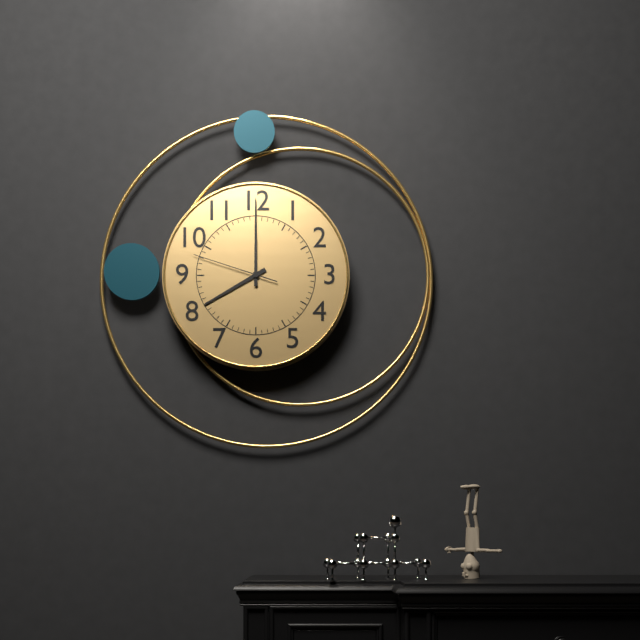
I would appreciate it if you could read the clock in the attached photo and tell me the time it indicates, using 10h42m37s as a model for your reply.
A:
8h00m48s
